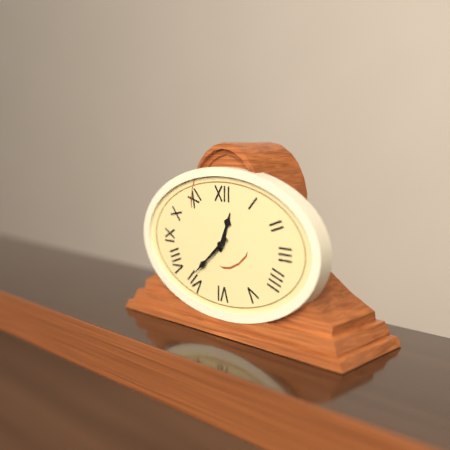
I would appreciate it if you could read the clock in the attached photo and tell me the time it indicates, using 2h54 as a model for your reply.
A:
12h38
